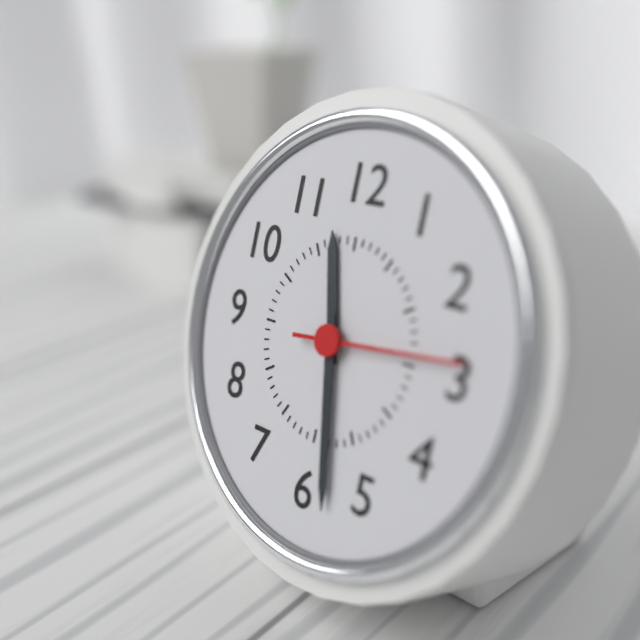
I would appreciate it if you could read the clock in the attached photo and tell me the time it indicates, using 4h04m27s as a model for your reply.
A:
11h28m14s
